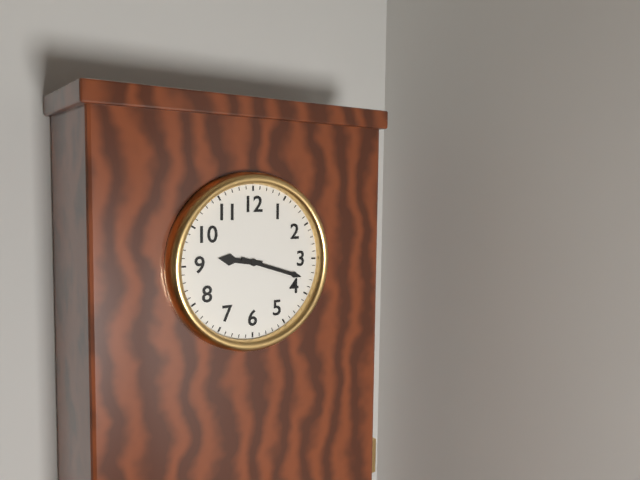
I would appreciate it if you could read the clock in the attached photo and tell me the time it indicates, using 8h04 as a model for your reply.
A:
9h18
